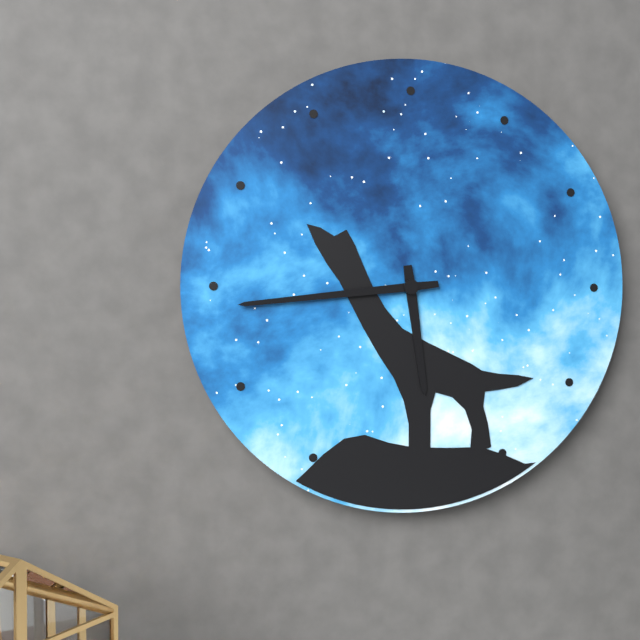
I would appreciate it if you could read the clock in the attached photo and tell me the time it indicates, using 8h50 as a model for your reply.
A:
5h44
